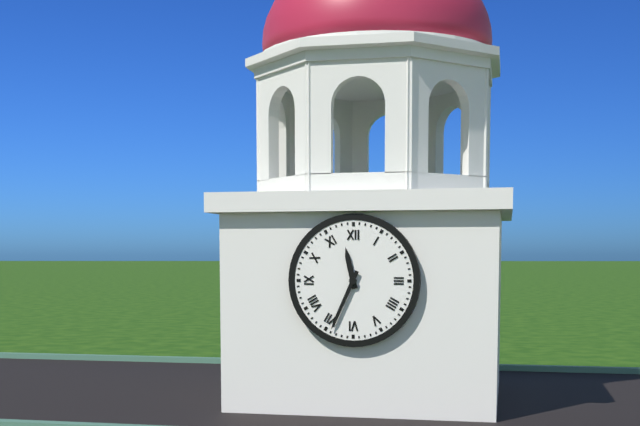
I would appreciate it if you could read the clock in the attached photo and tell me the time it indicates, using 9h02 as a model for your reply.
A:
11h34
